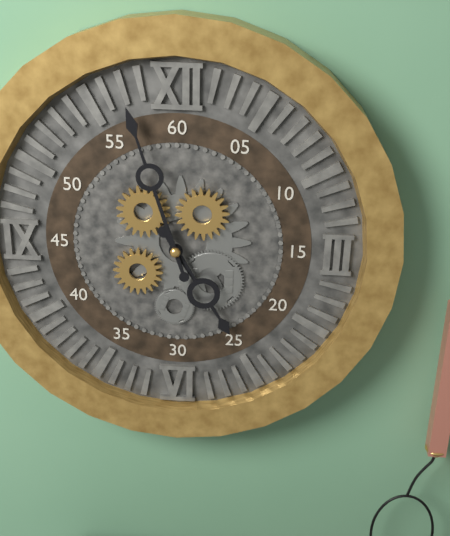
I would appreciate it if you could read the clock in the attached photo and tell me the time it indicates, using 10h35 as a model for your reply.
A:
4h57
